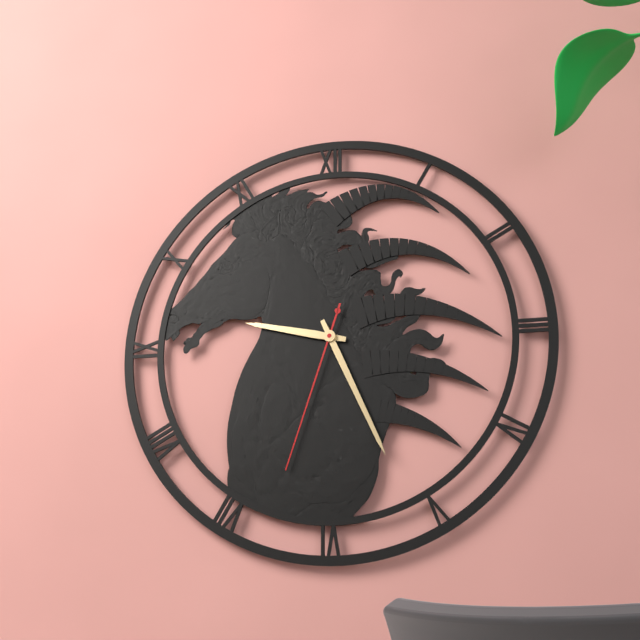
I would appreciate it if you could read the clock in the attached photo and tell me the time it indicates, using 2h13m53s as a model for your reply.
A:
9h26m33s
